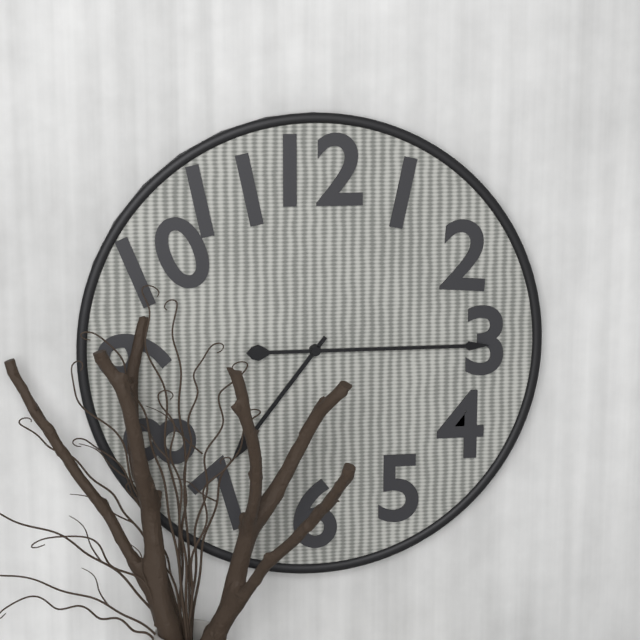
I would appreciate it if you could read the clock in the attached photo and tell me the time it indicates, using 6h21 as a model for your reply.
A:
7h15
